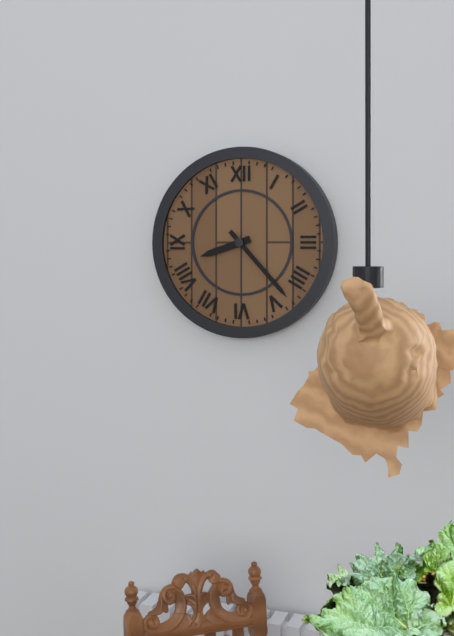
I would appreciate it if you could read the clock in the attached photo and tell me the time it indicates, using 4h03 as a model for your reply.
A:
8h23
